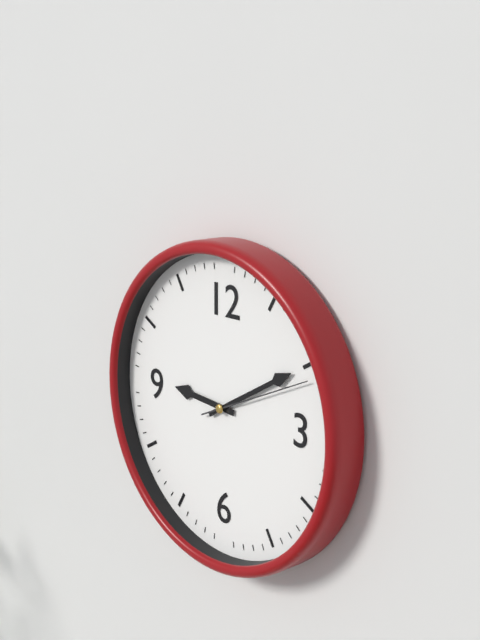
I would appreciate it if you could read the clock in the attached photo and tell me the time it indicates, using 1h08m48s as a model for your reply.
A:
9h10m11s
